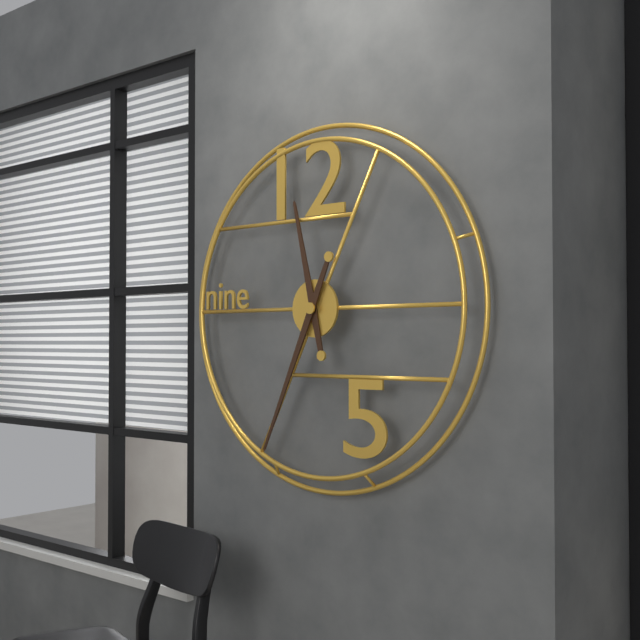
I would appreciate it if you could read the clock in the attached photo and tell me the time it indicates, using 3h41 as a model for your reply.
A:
11h34
